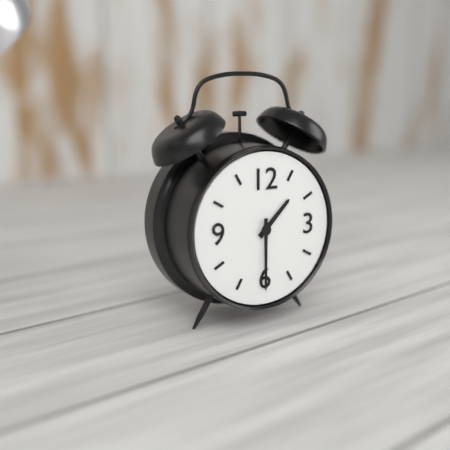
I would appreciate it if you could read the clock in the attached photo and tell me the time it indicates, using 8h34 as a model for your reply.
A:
1h30
